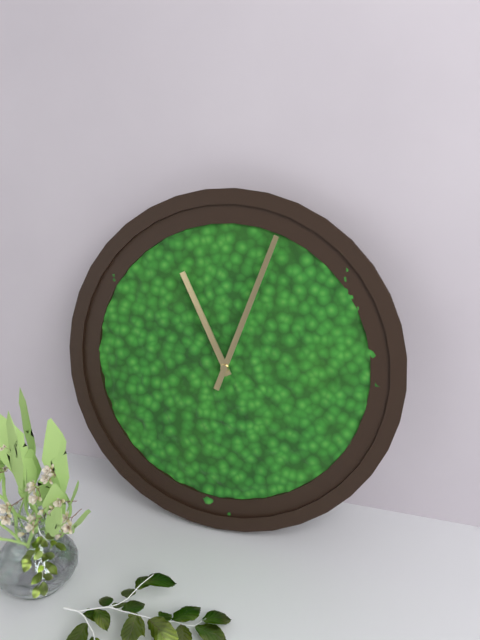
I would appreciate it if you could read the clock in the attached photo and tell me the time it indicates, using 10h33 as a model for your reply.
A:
11h03
